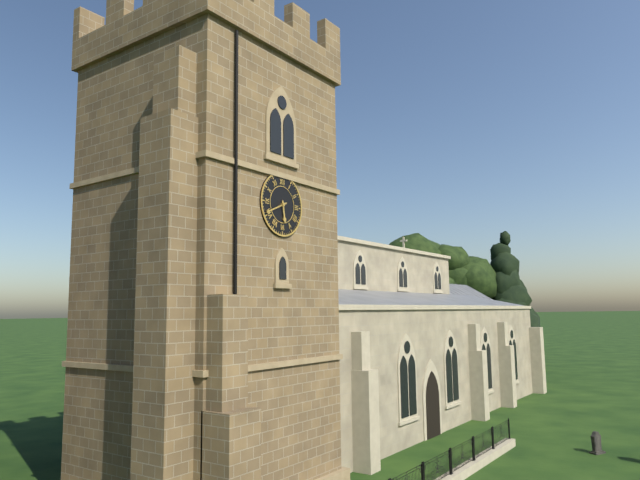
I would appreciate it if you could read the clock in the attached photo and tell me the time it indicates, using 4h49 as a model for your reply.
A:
5h41
